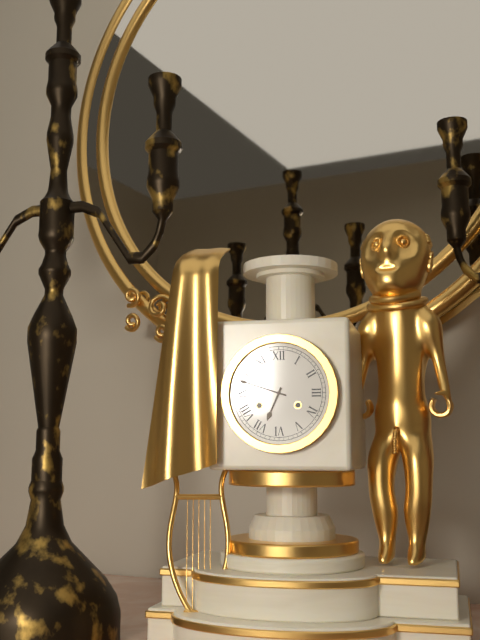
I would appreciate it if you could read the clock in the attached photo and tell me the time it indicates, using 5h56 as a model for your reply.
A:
6h48
